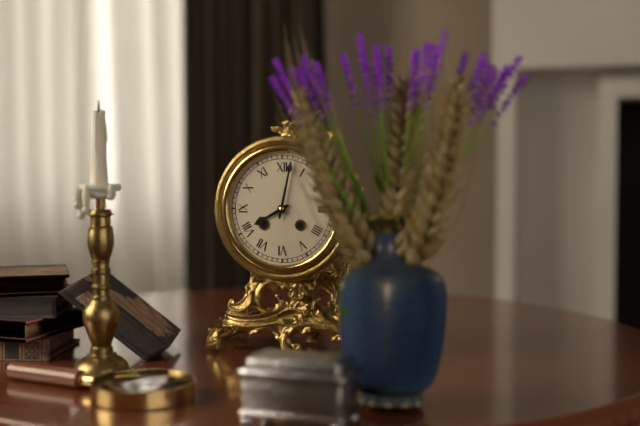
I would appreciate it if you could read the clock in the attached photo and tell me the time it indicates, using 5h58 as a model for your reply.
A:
8h02
